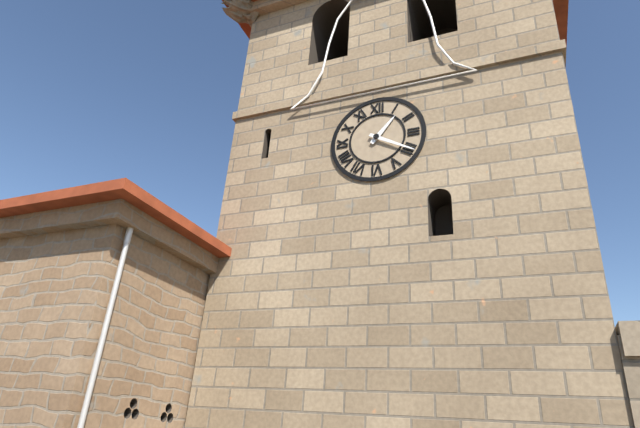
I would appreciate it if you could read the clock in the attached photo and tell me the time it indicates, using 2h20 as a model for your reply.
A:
1h20
